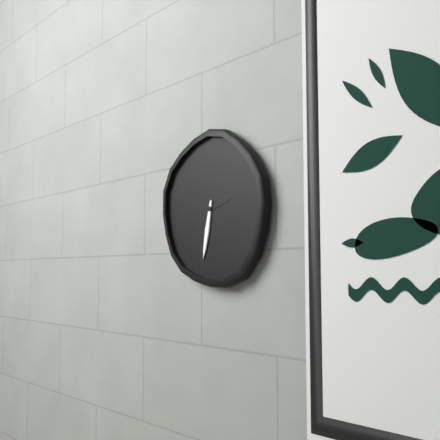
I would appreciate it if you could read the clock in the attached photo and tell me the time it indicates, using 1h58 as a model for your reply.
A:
2h32
